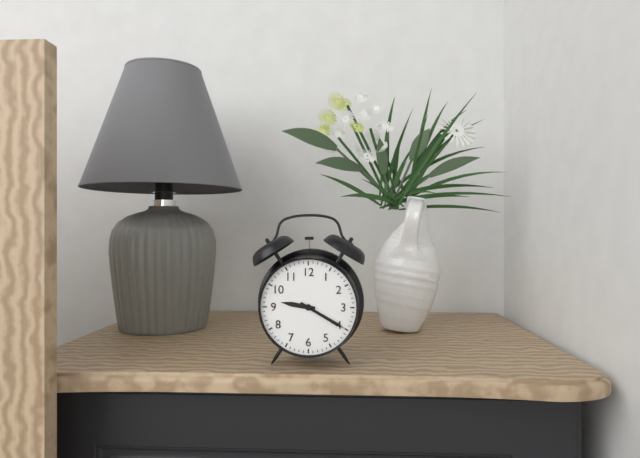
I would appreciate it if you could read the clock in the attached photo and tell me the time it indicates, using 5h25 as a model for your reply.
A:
9h20
